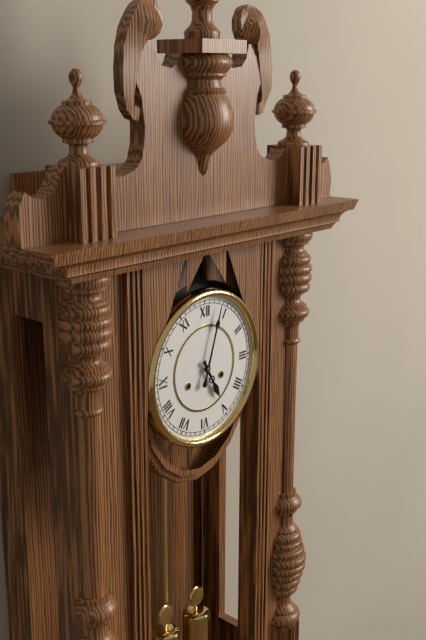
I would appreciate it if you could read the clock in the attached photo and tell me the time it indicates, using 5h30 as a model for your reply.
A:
5h03
